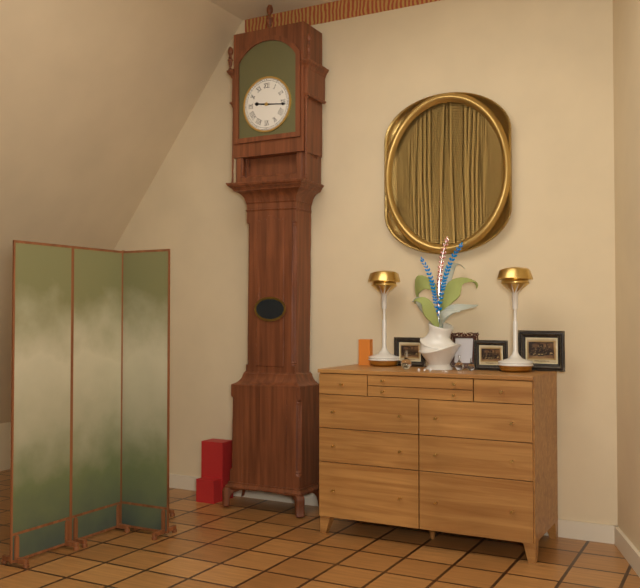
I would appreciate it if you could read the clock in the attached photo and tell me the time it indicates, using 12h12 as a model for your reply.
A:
9h16
